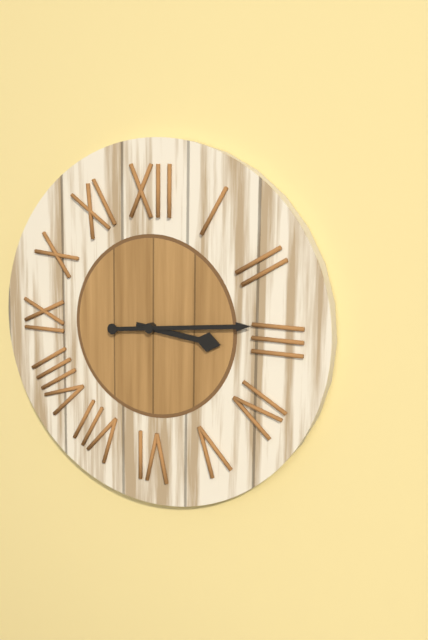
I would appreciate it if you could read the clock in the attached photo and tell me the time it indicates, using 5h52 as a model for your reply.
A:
3h14
